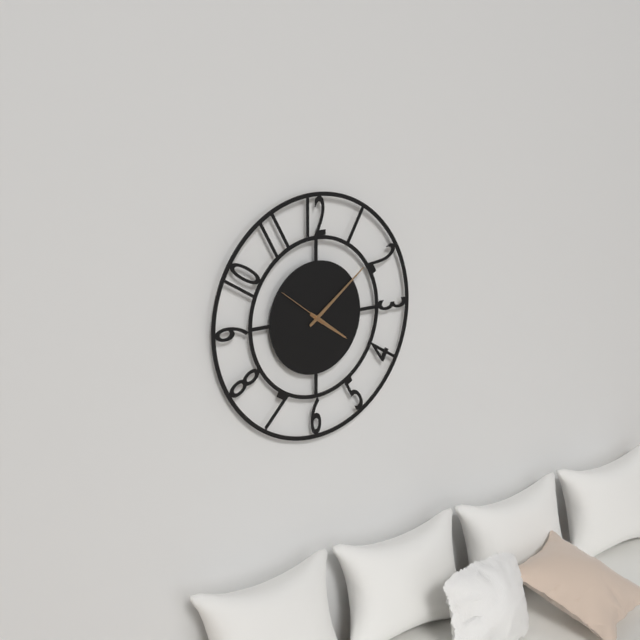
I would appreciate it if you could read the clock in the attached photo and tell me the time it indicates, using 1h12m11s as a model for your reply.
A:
4h09m51s
